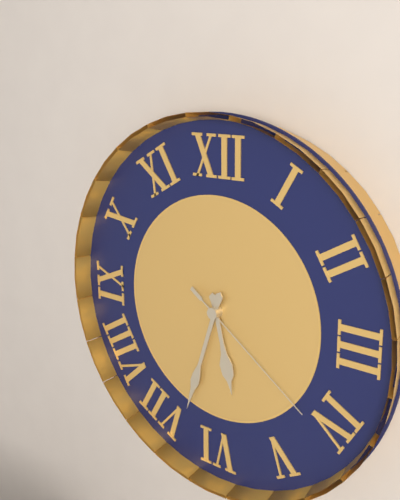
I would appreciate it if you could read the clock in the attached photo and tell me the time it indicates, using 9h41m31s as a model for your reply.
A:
5h33m21s
